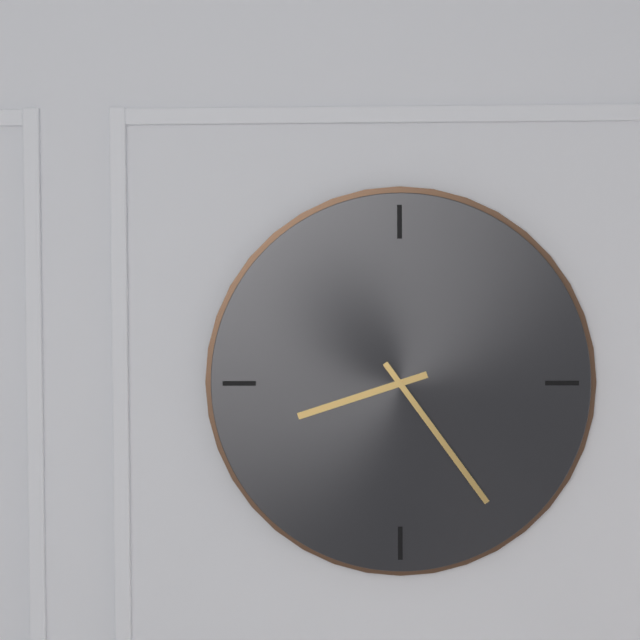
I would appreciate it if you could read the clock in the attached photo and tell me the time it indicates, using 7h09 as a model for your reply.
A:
8h24
